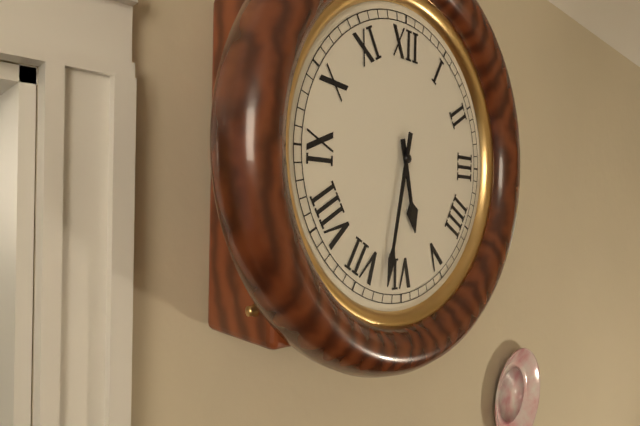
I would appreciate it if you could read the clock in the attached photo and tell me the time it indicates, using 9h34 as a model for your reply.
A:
5h32
